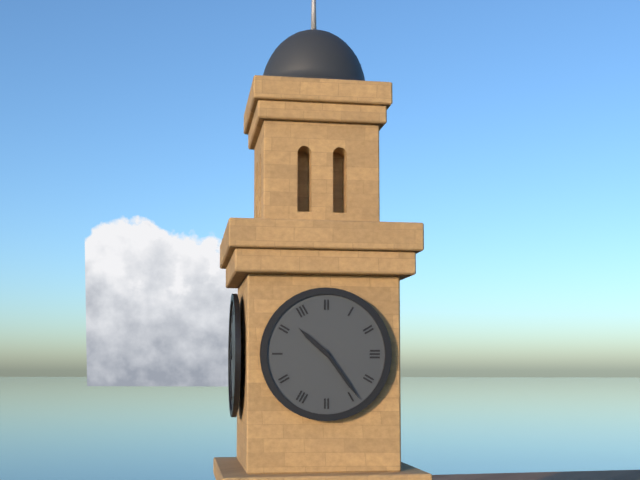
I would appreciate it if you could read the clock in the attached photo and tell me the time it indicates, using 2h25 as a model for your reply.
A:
10h24
